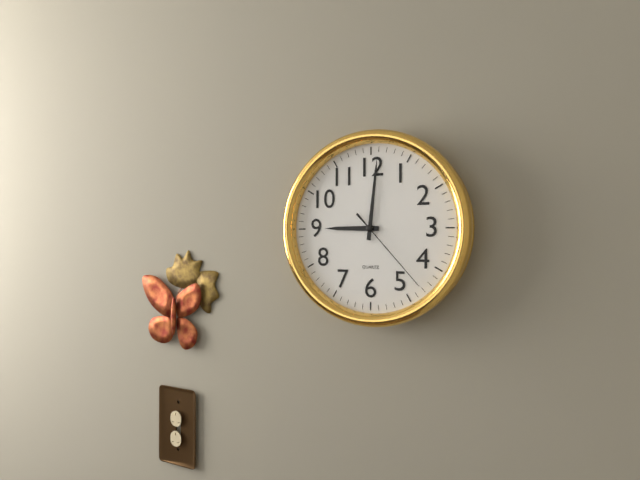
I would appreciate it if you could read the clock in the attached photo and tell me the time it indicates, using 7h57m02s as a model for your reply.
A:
9h01m23s
